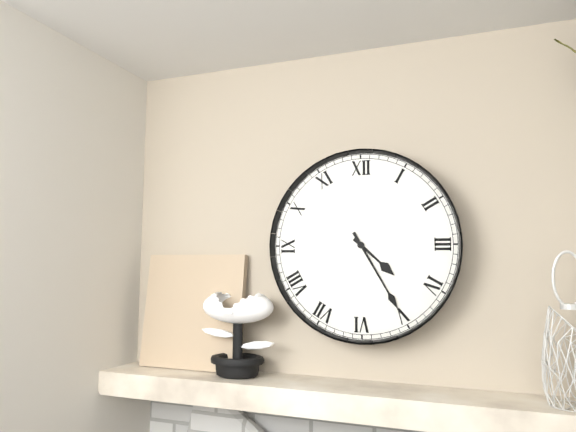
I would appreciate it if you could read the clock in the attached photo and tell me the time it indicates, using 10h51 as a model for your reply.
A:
4h25
